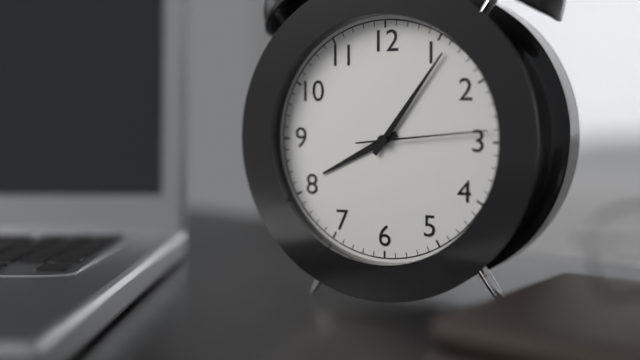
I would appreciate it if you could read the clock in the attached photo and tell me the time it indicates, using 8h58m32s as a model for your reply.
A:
8h06m14s
